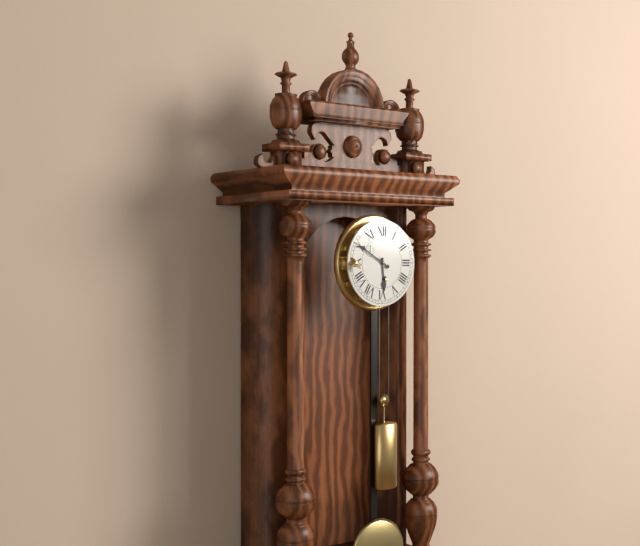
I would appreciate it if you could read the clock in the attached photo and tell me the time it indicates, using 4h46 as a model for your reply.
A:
5h50
